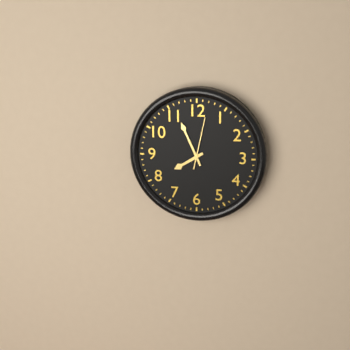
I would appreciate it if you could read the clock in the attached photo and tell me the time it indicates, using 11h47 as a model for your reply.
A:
7h56
